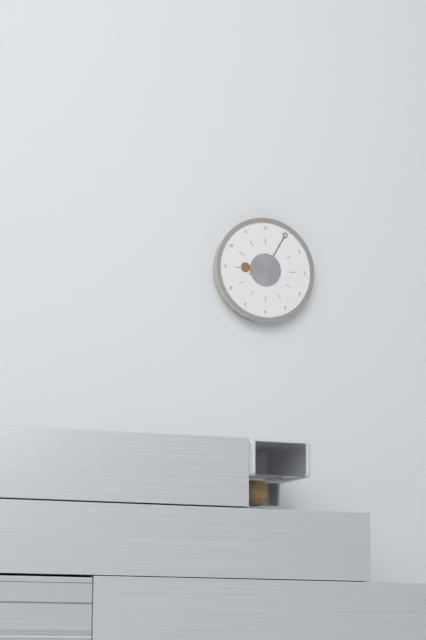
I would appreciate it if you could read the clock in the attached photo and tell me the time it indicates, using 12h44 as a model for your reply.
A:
9h05
